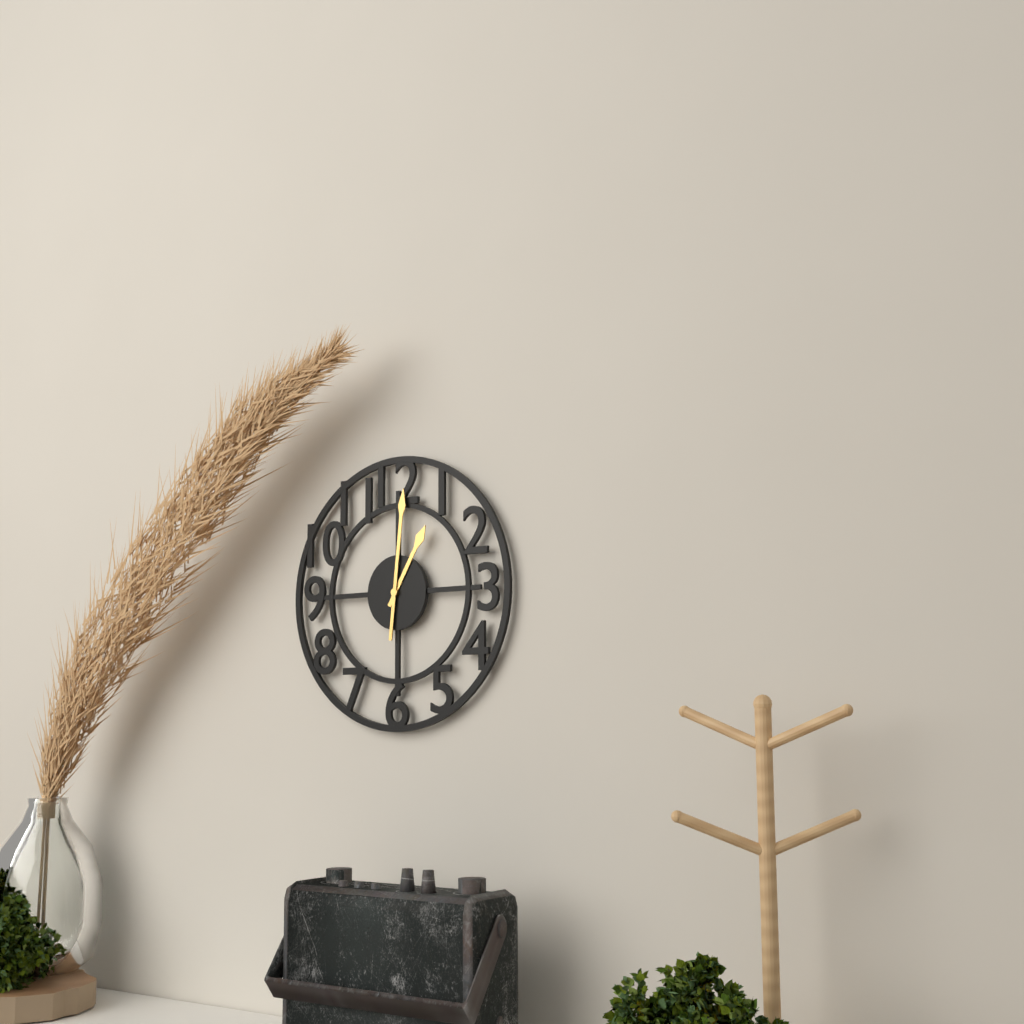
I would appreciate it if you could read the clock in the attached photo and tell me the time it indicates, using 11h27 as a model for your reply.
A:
1h01
